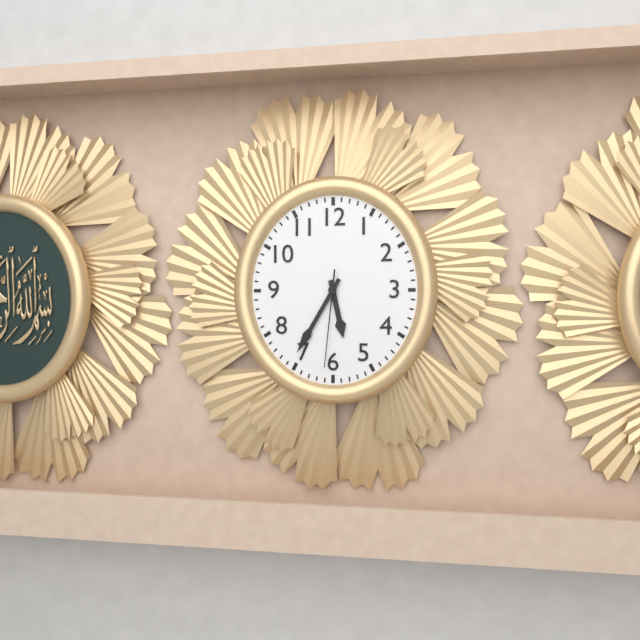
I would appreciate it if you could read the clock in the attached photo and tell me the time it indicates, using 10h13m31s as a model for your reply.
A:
5h35m31s
